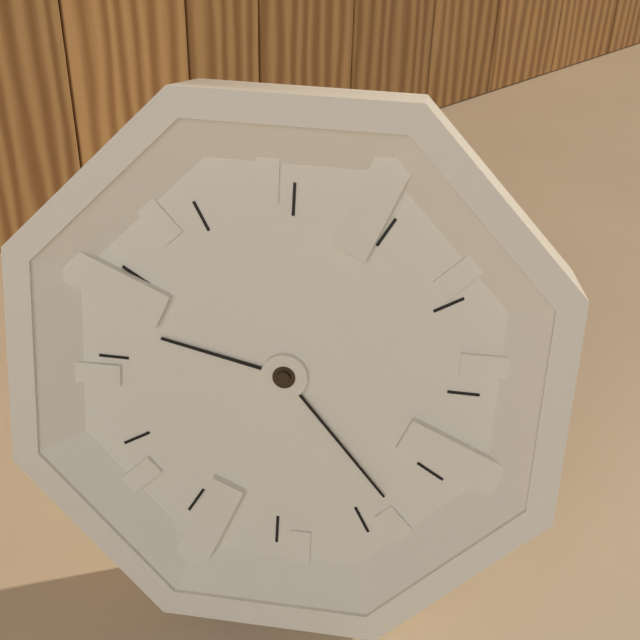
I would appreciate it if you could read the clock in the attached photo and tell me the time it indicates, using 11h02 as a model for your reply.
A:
9h23
